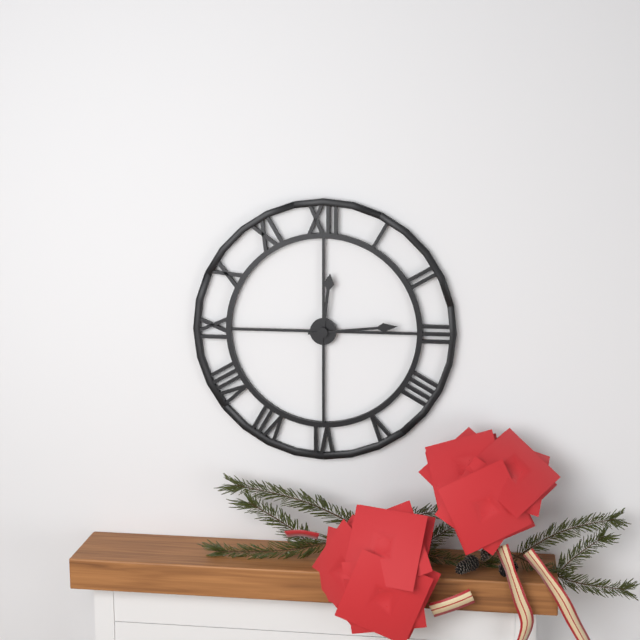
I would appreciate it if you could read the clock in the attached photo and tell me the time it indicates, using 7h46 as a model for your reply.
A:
12h14
